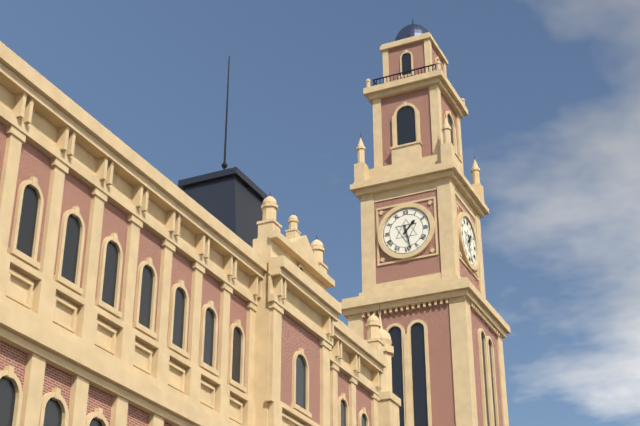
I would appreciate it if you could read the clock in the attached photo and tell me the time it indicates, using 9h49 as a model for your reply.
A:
1h28
